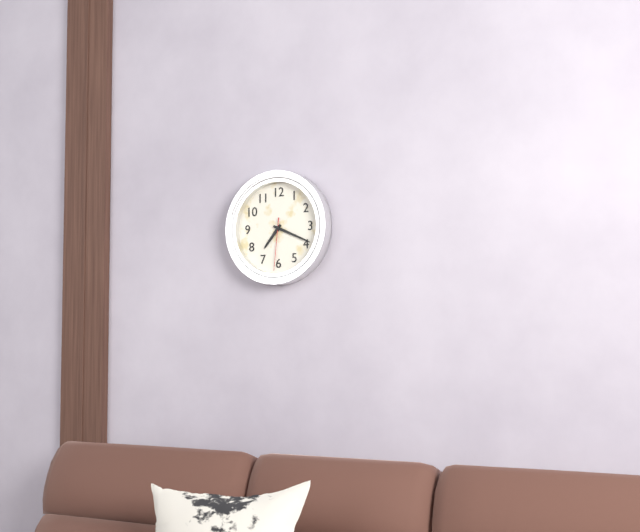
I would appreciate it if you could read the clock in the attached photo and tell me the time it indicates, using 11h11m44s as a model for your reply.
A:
7h19m31s
